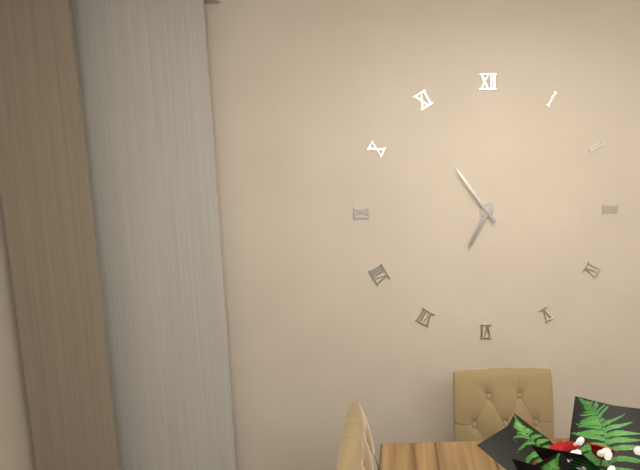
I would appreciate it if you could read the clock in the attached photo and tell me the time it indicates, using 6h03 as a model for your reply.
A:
6h54
